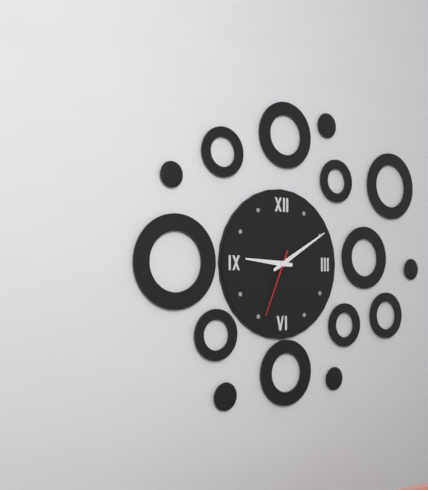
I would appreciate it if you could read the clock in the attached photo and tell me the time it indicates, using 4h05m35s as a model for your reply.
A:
9h10m34s
